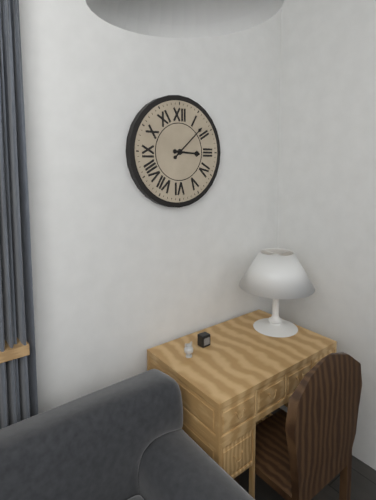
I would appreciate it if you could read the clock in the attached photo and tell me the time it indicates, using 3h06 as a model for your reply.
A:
3h08
